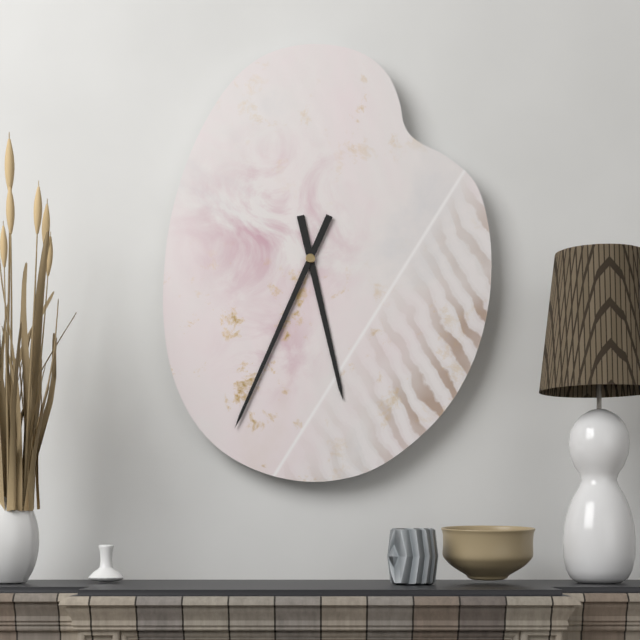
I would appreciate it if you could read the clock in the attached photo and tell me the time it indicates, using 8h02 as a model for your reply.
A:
5h34
